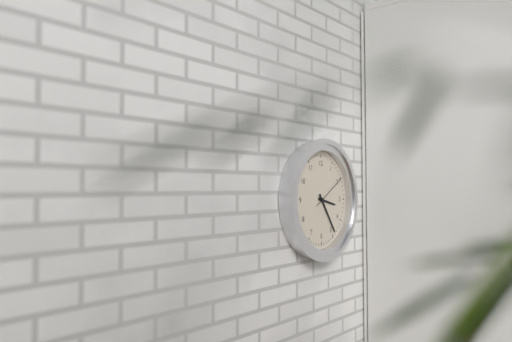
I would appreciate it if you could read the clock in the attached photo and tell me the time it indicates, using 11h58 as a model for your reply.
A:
3h24
